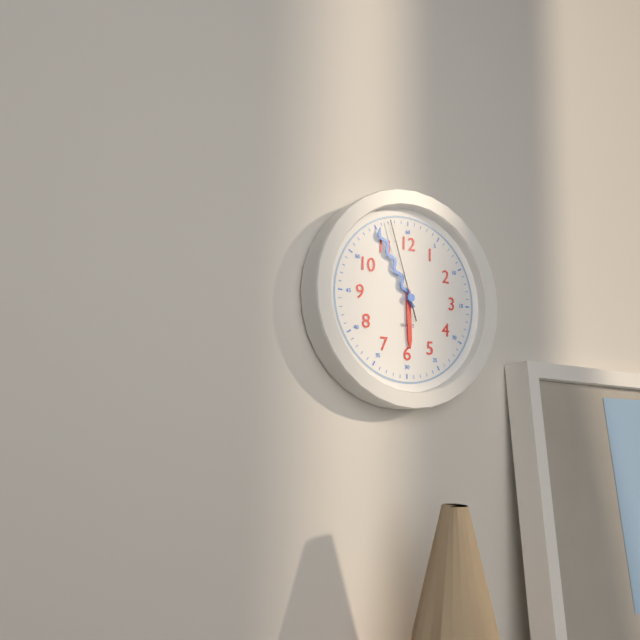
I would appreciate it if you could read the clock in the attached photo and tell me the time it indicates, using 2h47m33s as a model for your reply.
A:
5h55m57s
